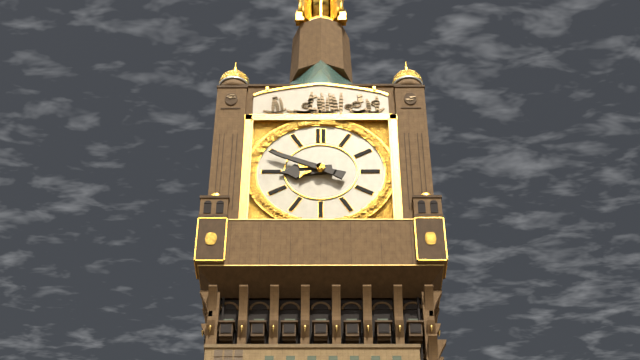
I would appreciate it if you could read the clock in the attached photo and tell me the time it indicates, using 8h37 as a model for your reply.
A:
8h49
